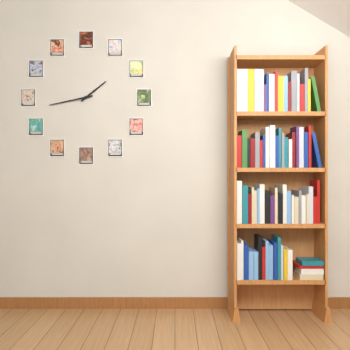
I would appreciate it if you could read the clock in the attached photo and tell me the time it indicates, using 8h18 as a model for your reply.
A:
1h43
